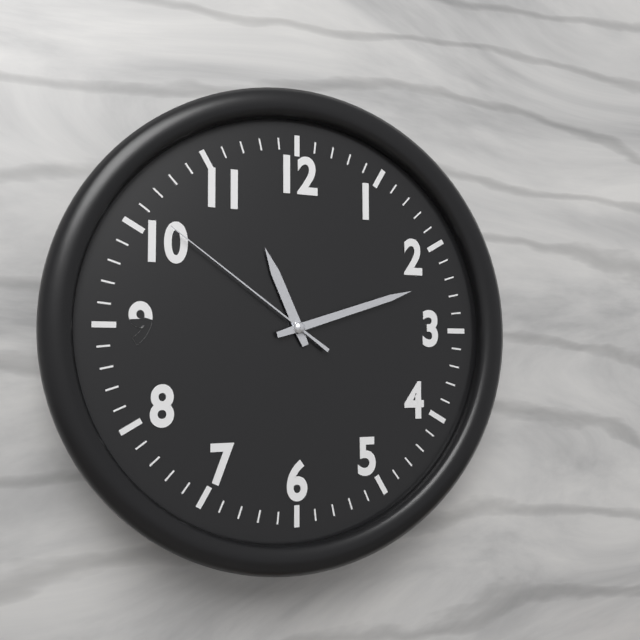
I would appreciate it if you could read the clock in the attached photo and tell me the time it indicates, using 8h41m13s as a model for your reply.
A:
11h12m51s
